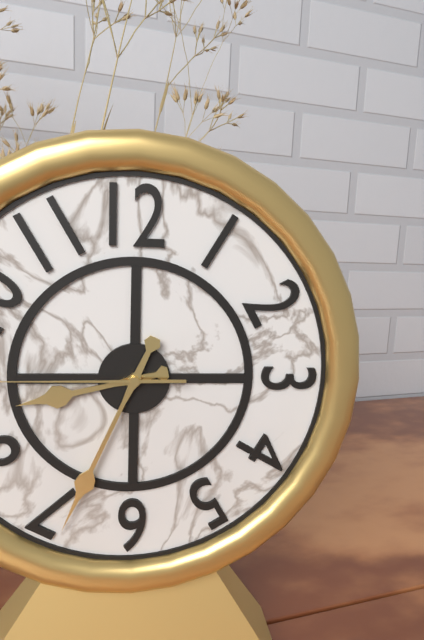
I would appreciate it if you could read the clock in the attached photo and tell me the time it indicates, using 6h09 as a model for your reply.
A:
8h34
